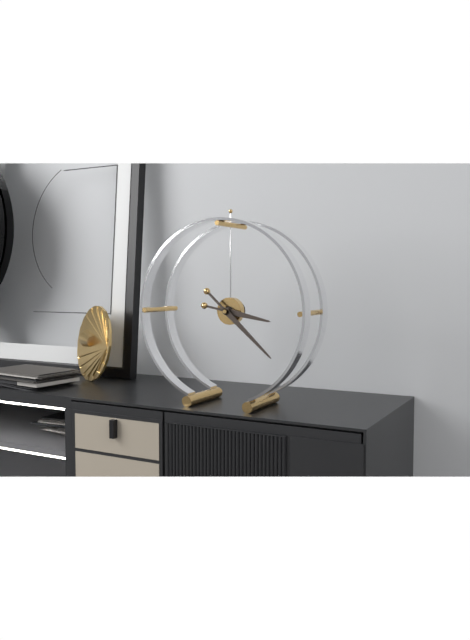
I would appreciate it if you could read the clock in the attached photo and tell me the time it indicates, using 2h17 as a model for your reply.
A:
3h22
